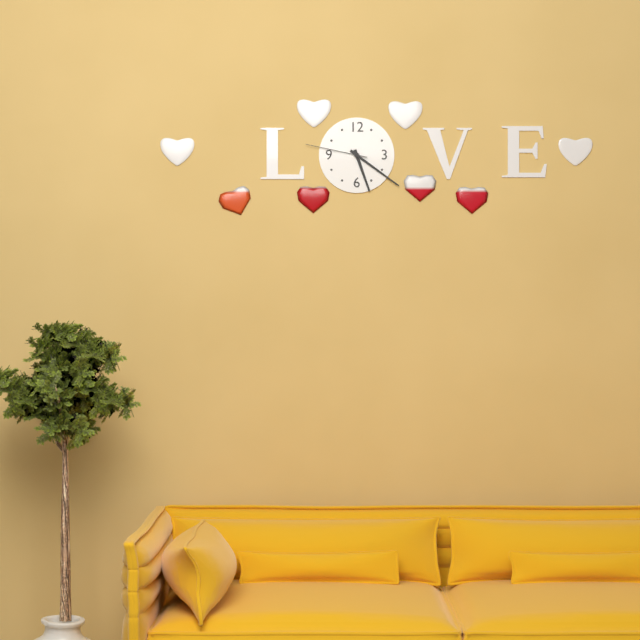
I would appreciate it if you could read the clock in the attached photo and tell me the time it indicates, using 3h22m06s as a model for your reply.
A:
5h21m47s
